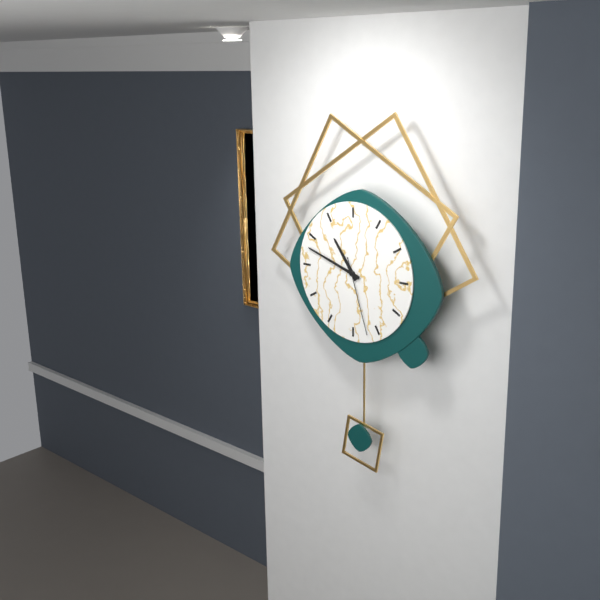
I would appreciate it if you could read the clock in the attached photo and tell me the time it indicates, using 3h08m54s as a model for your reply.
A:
10h48m27s
